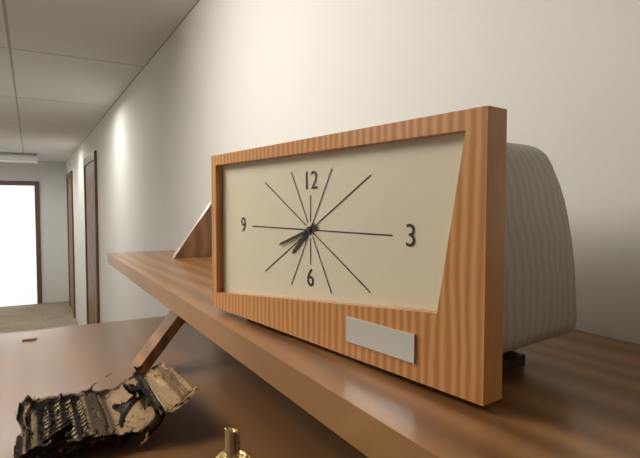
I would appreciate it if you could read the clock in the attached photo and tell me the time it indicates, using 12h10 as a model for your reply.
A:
7h42
